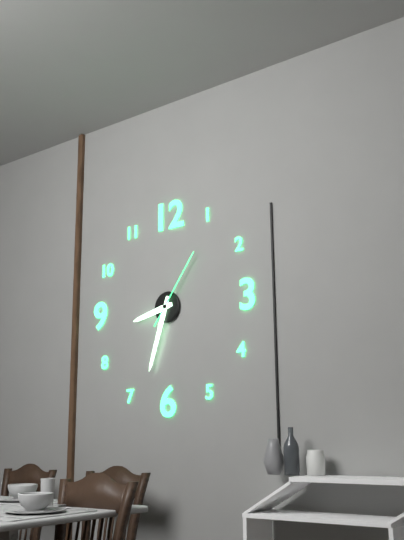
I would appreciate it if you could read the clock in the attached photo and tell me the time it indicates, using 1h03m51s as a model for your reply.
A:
8h33m06s
